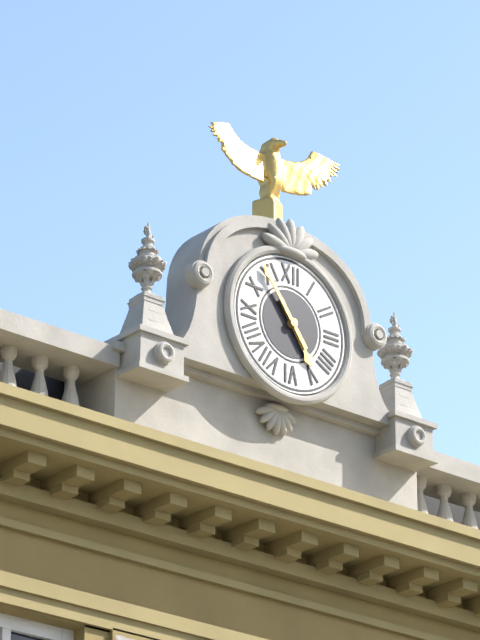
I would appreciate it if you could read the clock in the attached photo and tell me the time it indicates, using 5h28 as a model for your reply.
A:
4h54
